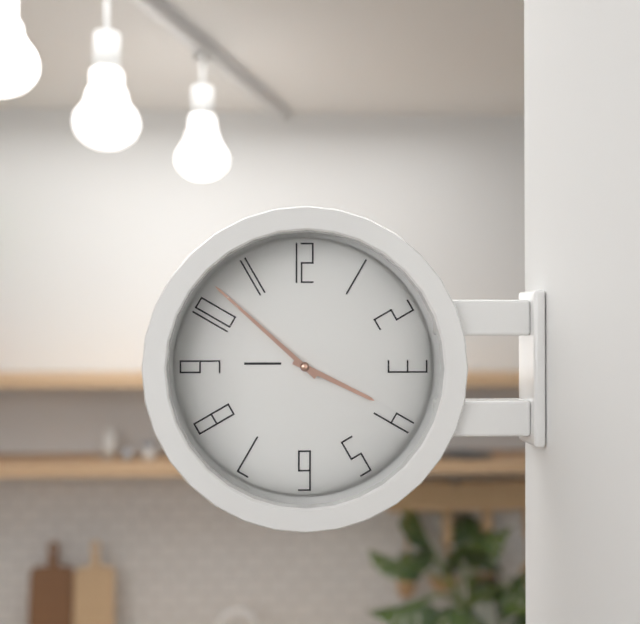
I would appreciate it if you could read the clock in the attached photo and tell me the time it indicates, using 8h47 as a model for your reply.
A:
3h52
